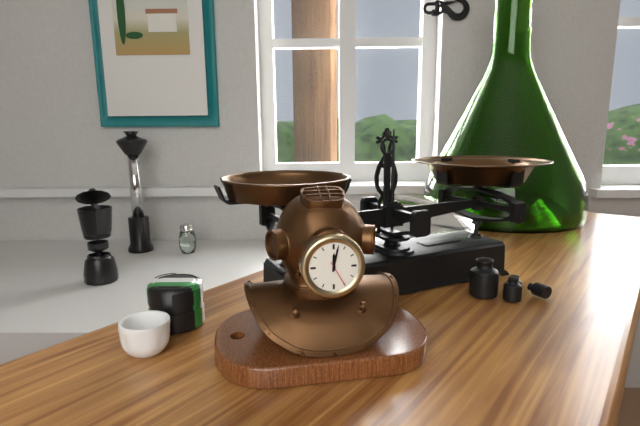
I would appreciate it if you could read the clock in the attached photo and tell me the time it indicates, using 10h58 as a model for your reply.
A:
12h02
